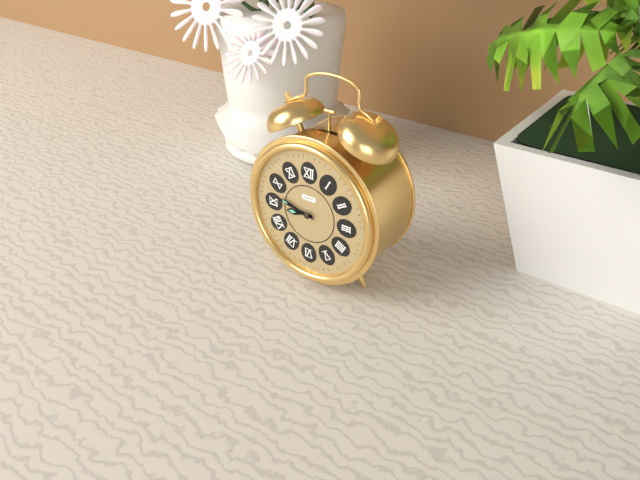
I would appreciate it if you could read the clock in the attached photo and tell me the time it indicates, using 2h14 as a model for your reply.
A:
8h47
